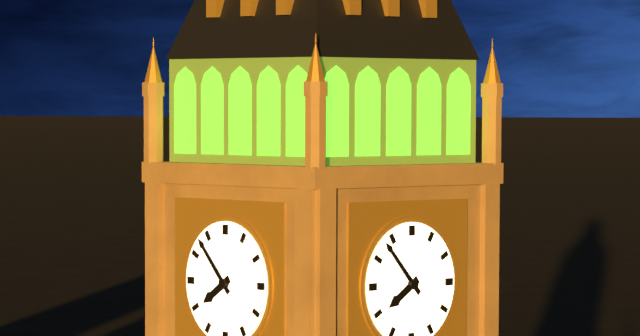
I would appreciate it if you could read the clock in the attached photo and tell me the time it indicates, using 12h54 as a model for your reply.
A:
7h53
